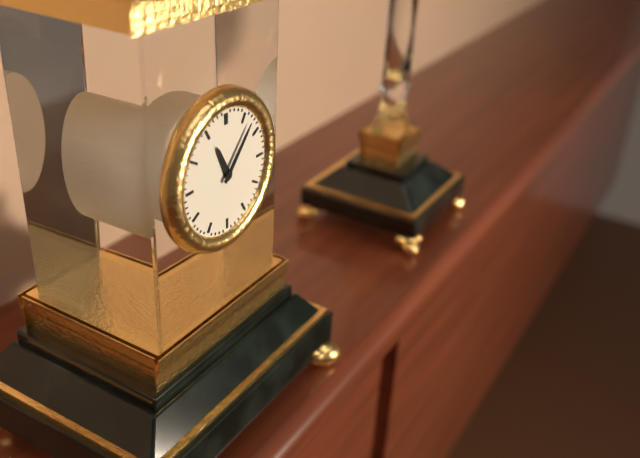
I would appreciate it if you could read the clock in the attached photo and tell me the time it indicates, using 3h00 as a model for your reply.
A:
11h07
